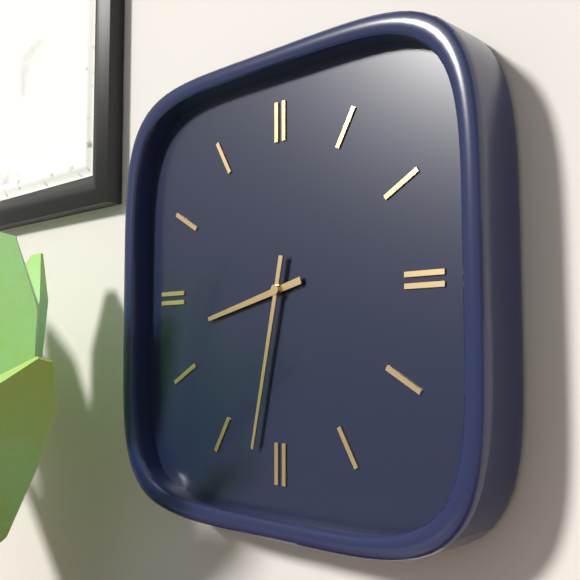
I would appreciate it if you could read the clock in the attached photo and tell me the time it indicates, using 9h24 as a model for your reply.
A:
8h32
